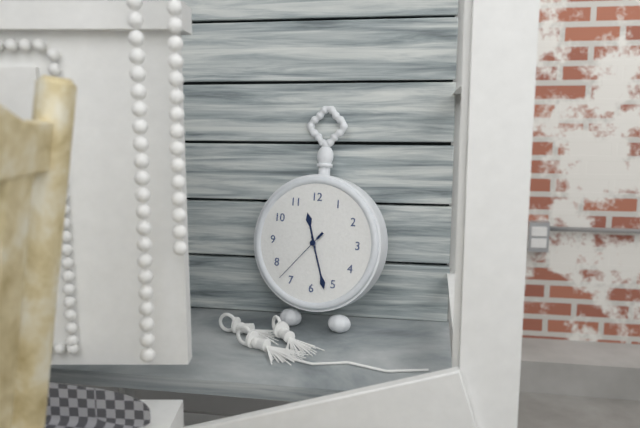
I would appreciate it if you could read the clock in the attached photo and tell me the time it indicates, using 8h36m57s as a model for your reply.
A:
11h27m37s
